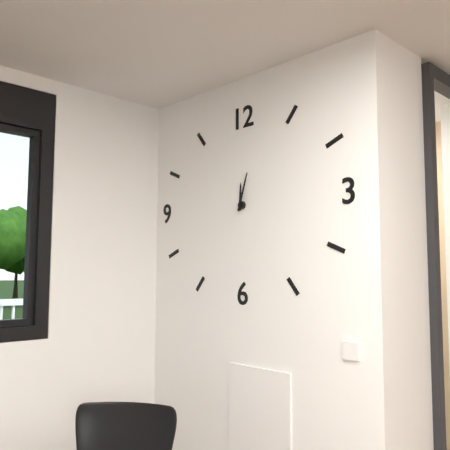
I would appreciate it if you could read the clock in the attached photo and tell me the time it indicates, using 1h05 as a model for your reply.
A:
12h03
